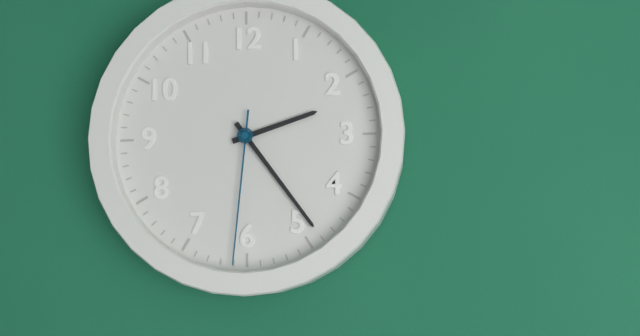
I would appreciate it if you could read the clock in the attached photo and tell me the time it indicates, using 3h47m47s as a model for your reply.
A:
2h24m31s
